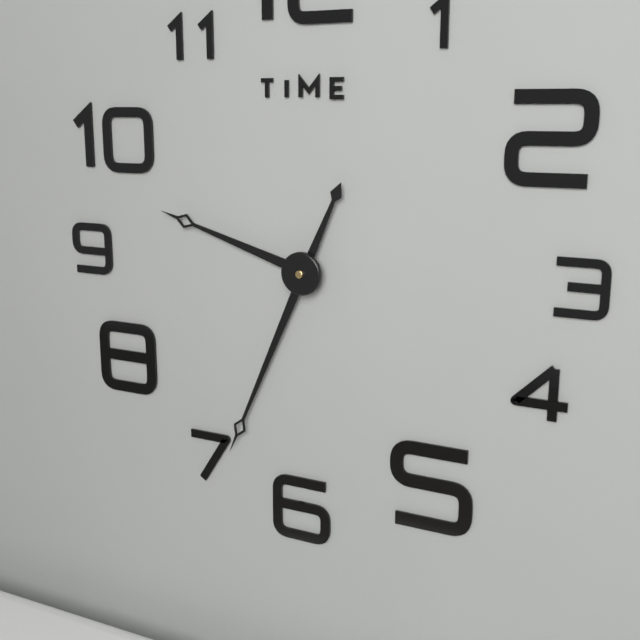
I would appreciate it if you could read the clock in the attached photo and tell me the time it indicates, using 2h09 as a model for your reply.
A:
9h34
